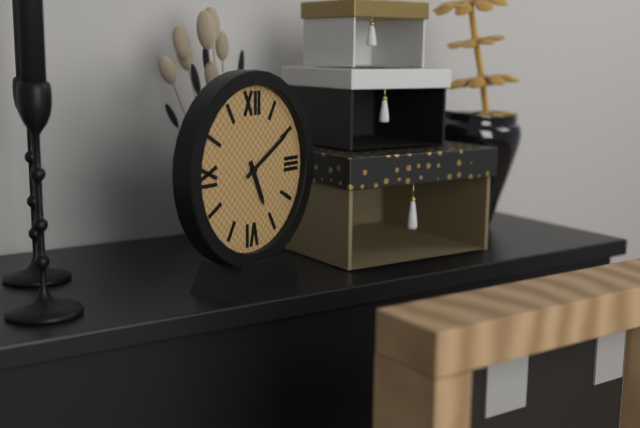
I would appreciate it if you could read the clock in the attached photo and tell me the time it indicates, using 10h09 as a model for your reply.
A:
5h10
